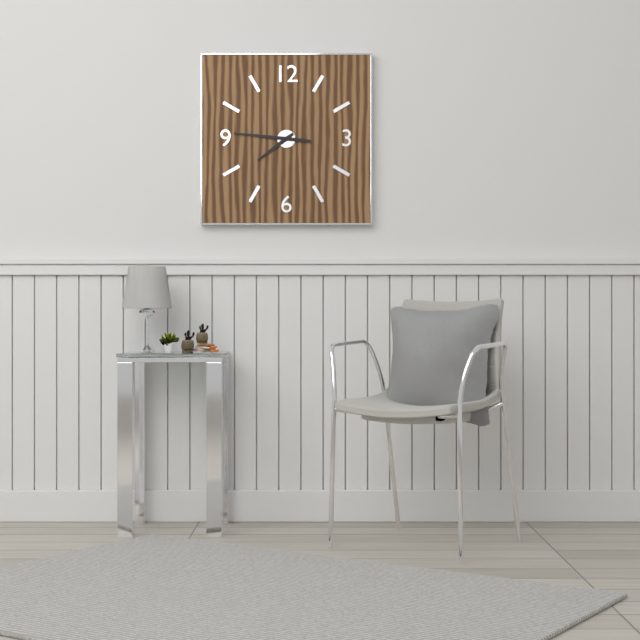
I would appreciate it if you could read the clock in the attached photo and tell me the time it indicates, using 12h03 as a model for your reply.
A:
7h46
